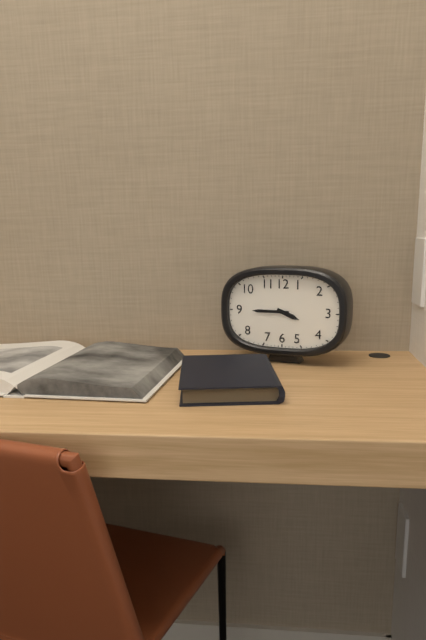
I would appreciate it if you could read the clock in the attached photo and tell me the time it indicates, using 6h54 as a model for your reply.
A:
3h45
